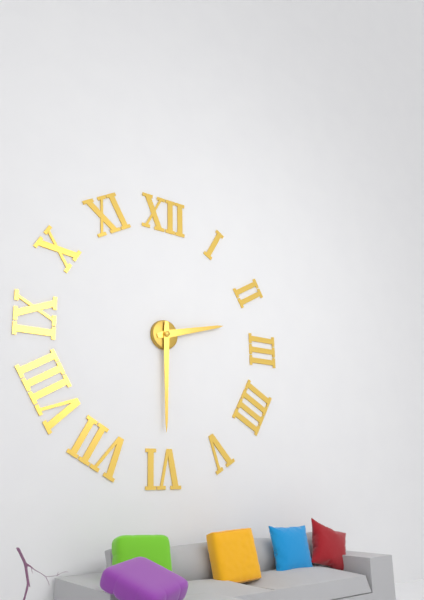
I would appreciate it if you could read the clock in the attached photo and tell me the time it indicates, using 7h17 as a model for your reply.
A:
2h30
